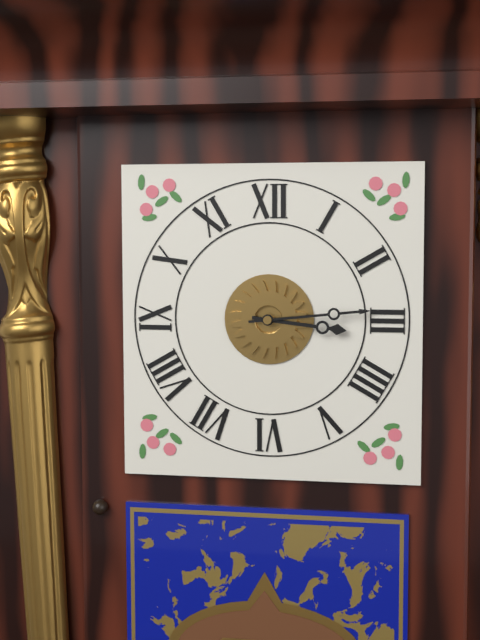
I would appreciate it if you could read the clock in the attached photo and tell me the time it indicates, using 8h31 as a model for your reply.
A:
3h14
